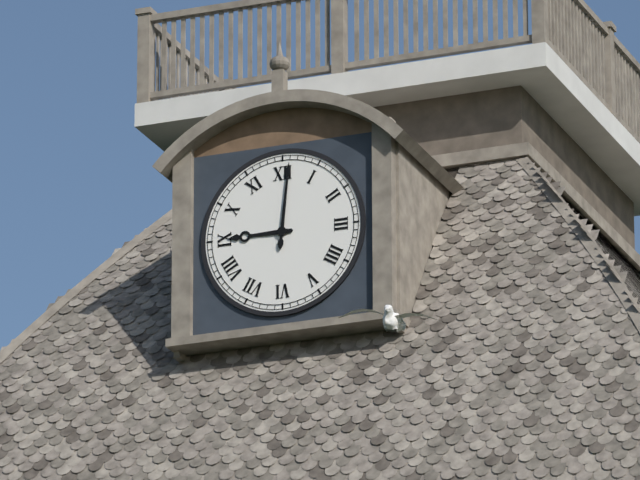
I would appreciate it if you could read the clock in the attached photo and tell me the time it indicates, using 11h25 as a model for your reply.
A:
9h01
